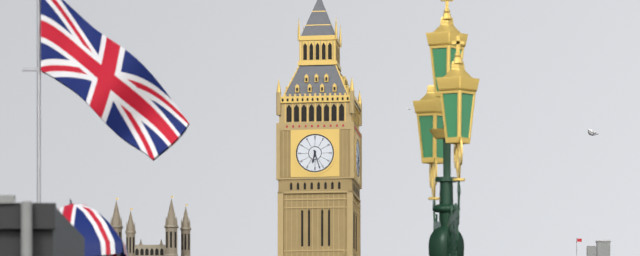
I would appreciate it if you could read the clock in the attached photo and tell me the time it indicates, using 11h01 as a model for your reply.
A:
6h27
